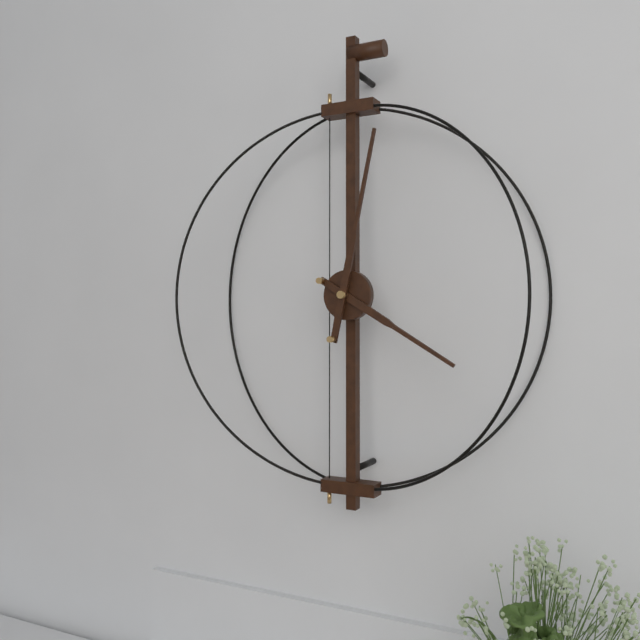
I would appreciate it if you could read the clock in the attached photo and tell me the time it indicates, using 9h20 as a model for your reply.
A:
4h02
